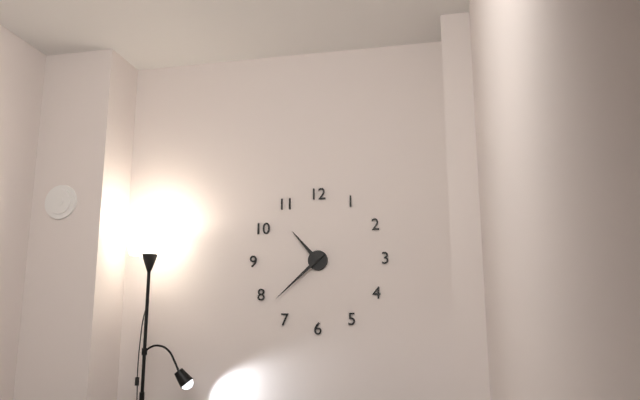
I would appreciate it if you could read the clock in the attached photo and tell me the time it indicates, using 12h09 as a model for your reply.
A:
10h38
